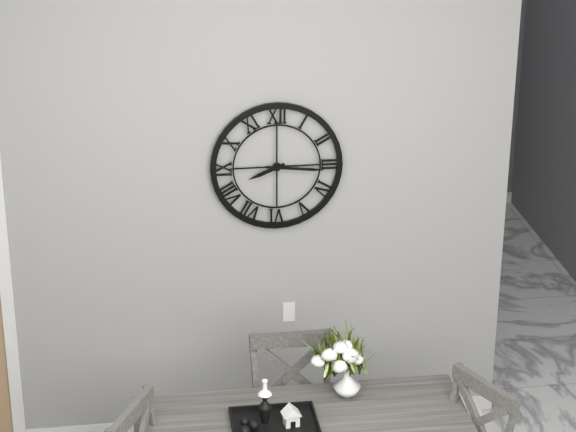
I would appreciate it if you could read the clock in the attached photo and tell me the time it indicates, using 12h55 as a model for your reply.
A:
8h16
